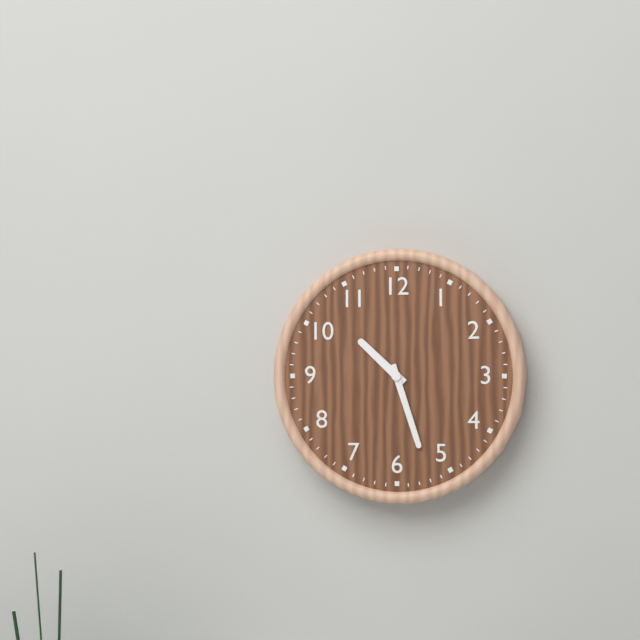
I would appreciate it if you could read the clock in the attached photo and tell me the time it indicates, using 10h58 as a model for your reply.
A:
10h27
